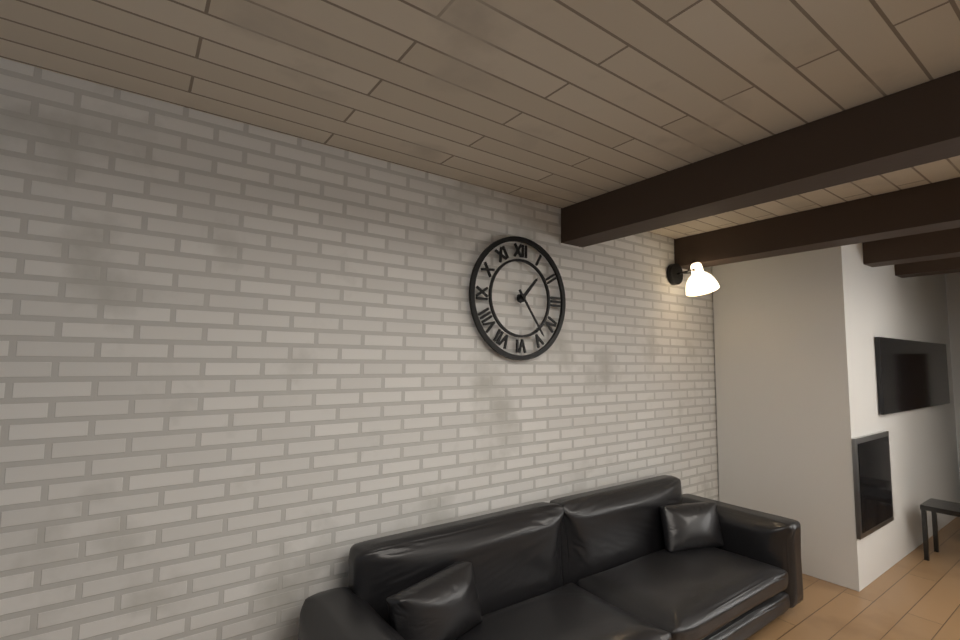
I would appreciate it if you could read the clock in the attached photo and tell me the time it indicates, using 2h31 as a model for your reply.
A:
1h24
